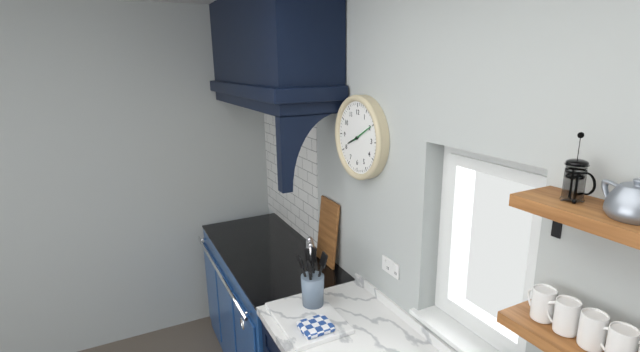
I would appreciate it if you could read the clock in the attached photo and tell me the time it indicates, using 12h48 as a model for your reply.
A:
8h10
